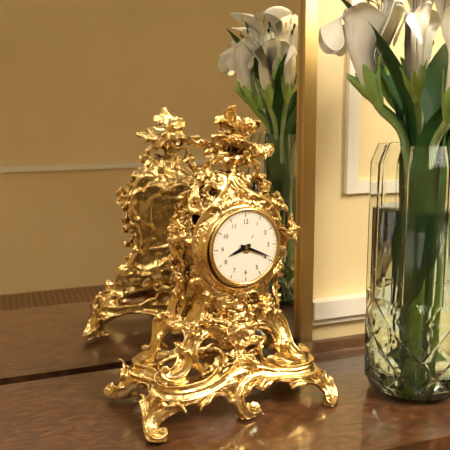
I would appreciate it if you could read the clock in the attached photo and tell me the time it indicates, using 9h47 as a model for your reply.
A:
8h19
